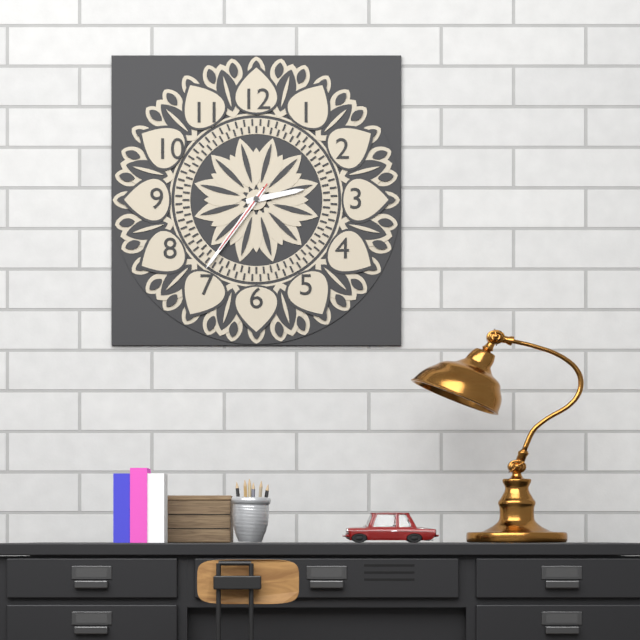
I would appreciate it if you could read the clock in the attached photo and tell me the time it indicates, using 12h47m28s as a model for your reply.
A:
2h36m36s
